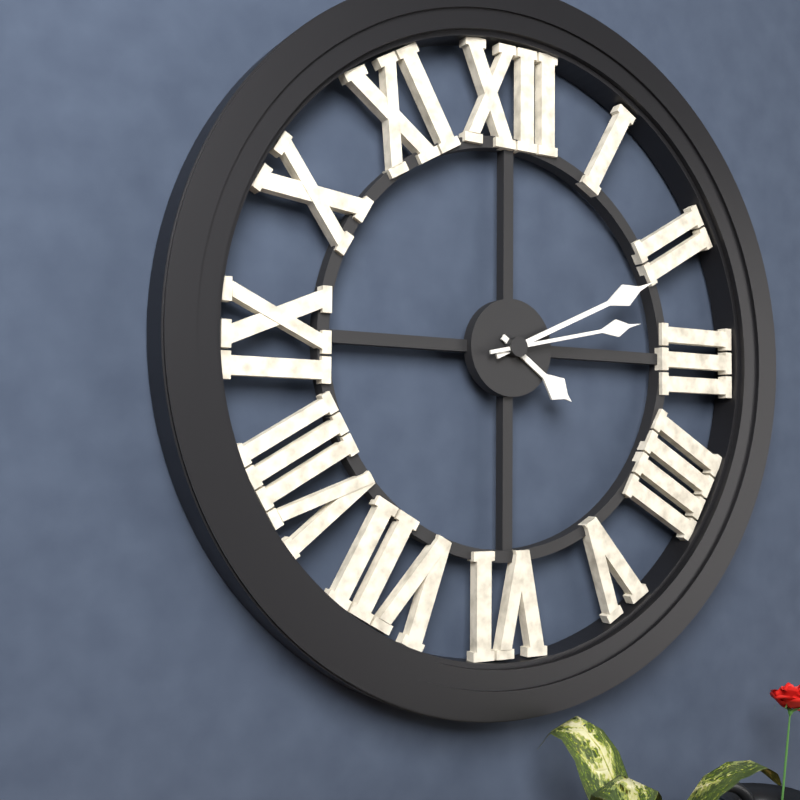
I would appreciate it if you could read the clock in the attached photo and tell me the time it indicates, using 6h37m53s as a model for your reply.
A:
4h11m13s
